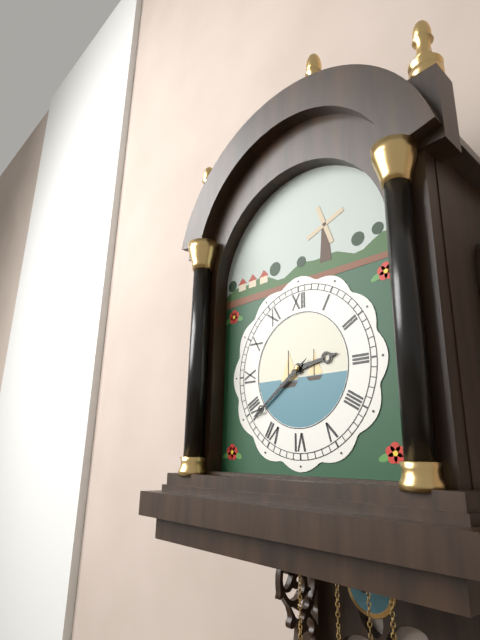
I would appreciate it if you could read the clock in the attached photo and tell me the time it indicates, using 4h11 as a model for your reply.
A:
2h39
